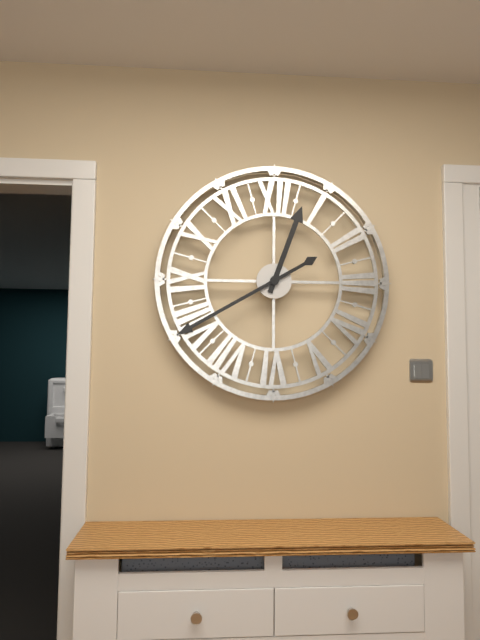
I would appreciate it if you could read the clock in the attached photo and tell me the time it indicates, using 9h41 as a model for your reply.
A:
12h40
